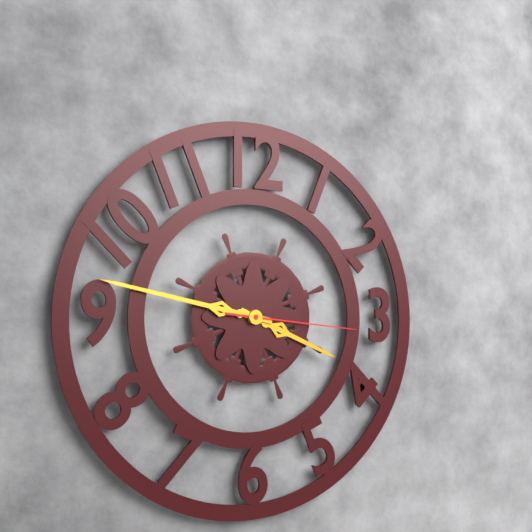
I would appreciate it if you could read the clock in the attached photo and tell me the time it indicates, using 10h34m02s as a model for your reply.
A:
3h47m16s
